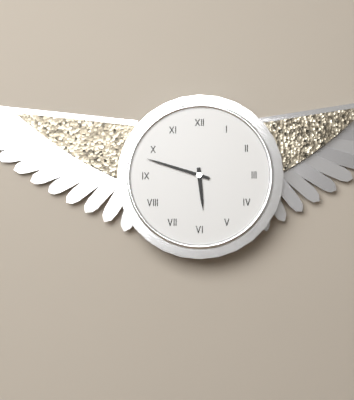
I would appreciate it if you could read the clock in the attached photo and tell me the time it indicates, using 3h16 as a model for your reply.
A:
5h48
